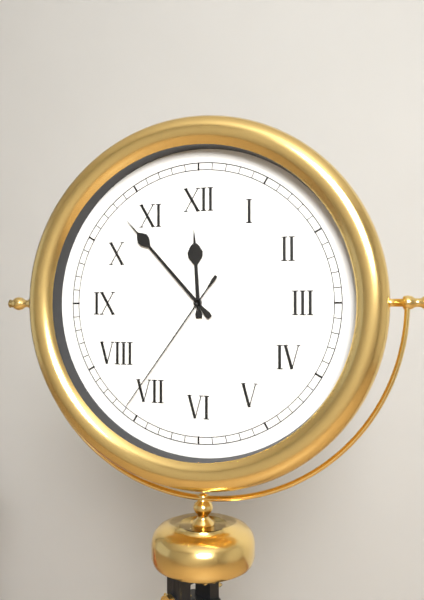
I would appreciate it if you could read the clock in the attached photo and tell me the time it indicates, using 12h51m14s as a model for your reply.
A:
11h53m36s
